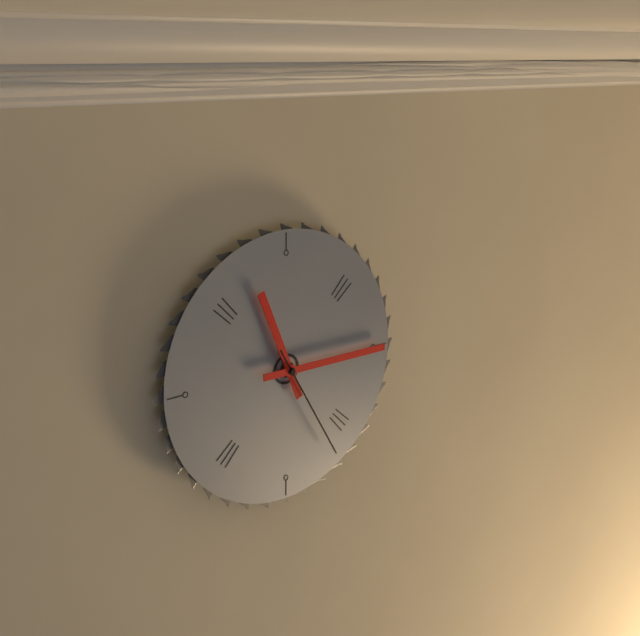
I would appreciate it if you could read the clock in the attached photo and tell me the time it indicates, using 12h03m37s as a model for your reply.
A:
11h15m25s
